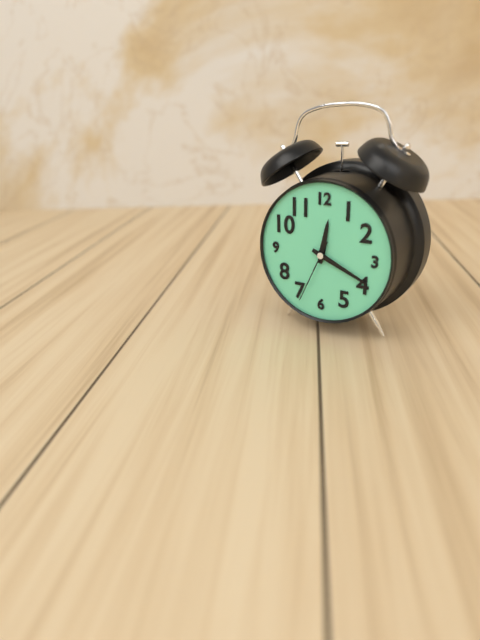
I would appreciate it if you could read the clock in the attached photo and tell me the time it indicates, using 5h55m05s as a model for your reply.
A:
12h19m34s
